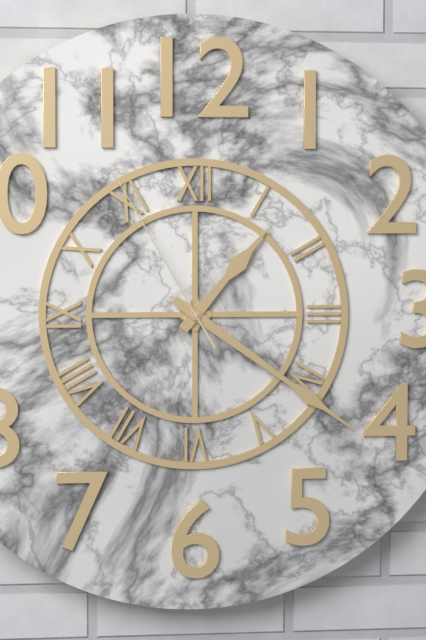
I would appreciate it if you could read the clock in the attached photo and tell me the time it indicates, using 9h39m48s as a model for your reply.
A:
1h21m55s
